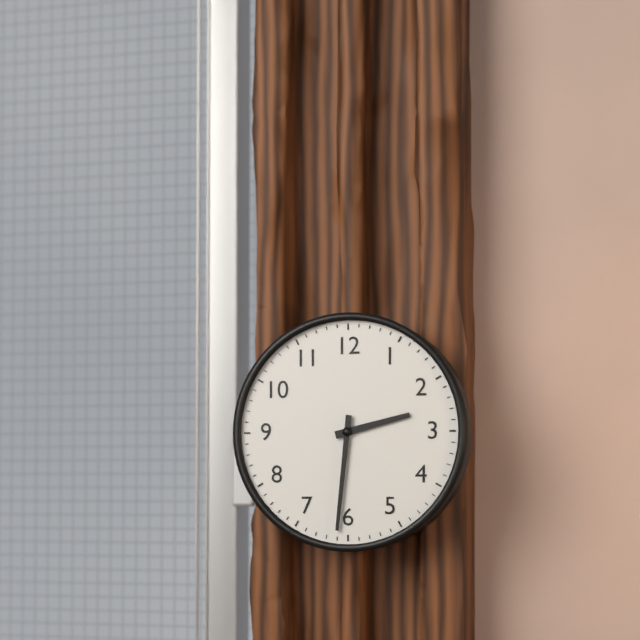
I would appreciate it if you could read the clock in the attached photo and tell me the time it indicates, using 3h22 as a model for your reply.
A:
2h31
